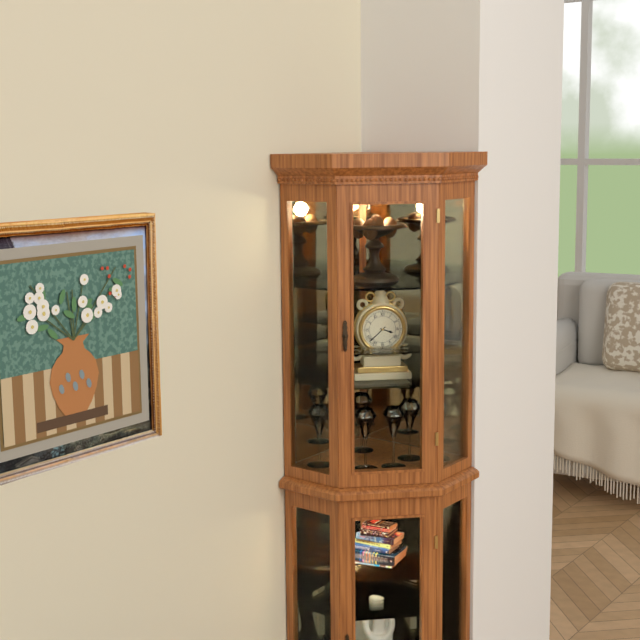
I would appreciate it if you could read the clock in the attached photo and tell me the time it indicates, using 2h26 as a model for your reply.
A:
3h38
